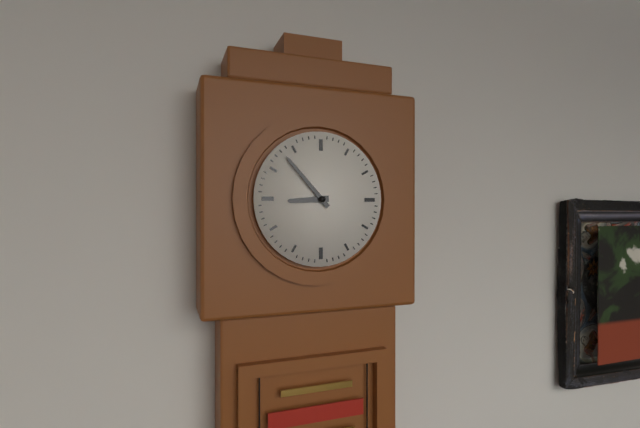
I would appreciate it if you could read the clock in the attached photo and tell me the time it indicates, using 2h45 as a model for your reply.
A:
8h53
